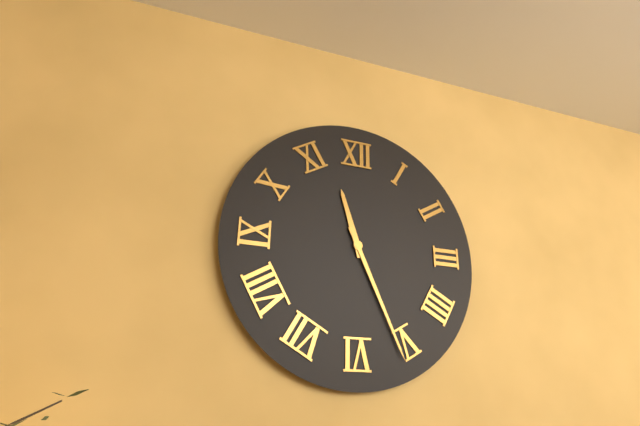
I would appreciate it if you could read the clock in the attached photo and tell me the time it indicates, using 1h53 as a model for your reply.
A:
11h26
